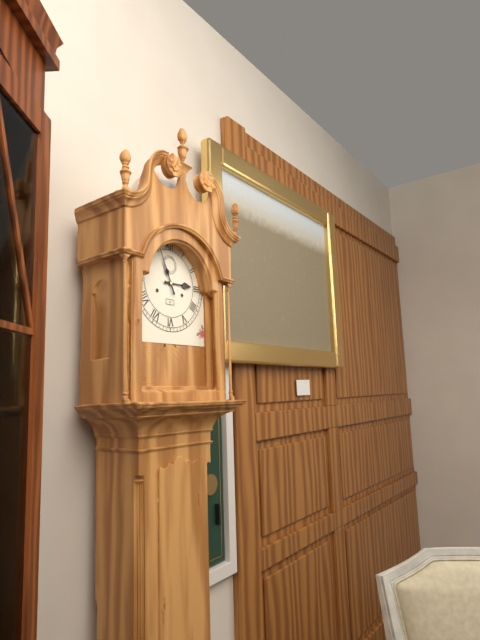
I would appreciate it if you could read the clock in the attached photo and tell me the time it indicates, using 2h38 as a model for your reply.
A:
2h56
